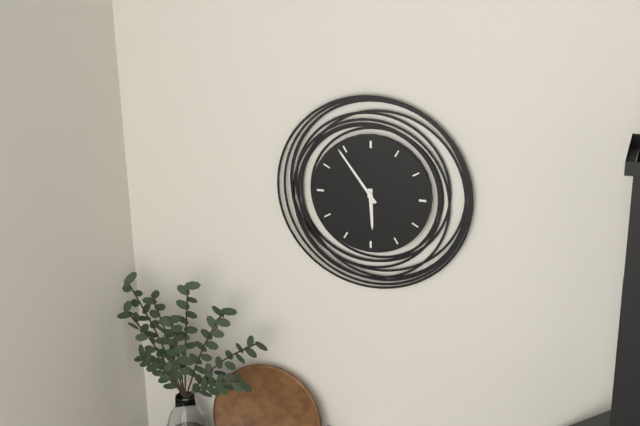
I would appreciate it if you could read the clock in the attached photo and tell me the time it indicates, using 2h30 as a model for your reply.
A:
5h54
